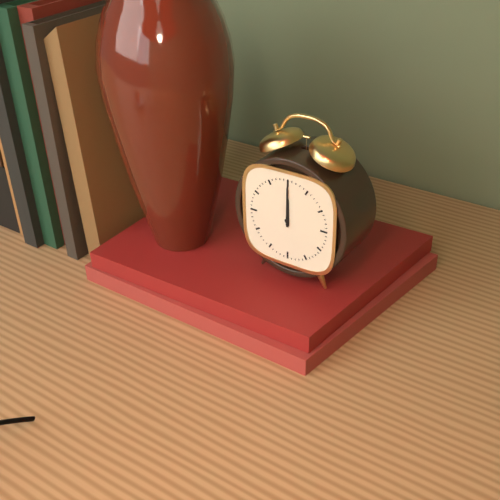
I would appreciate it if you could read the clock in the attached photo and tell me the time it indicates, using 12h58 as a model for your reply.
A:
12h00
